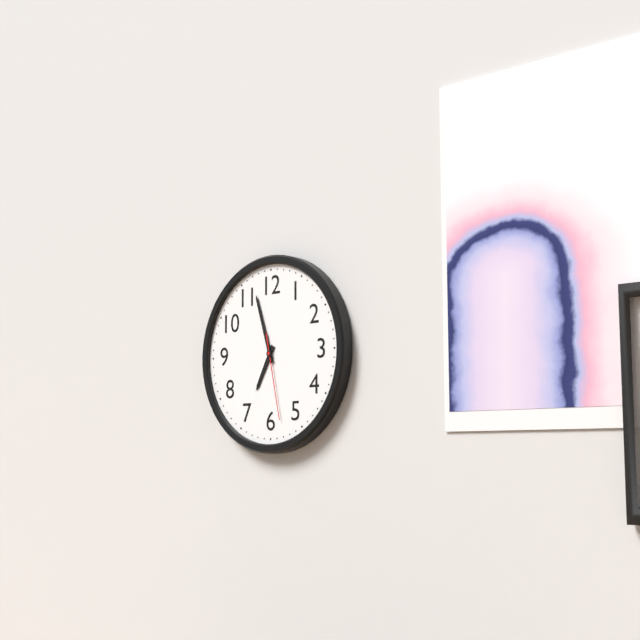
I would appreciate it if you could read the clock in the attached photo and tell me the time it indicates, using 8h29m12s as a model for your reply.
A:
6h57m28s
